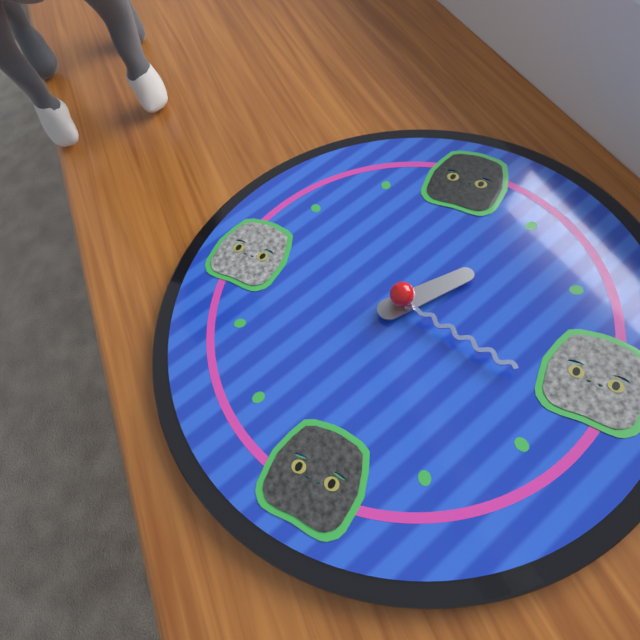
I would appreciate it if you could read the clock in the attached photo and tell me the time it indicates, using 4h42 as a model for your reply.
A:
1h17
